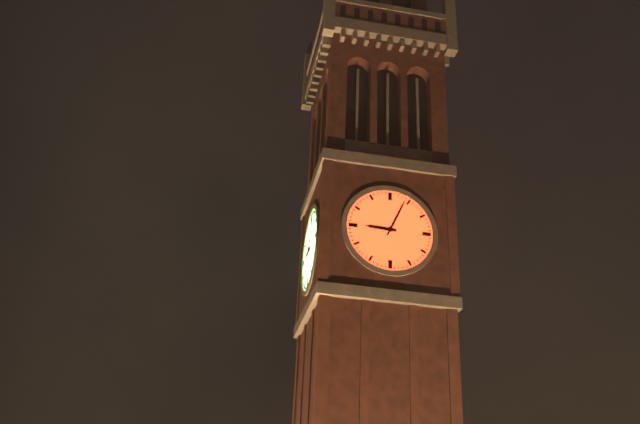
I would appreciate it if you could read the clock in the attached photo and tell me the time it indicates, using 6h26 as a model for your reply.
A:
9h04
